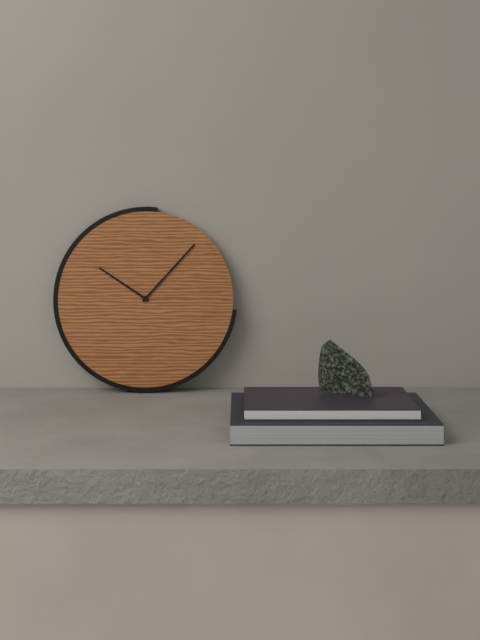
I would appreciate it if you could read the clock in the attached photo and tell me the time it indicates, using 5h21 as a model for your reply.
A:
10h07
